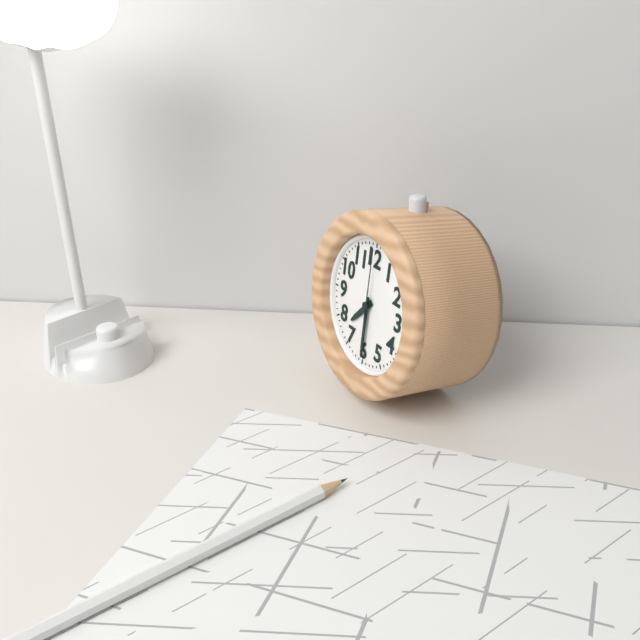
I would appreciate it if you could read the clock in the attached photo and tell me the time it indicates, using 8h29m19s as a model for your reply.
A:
7h30m00s
